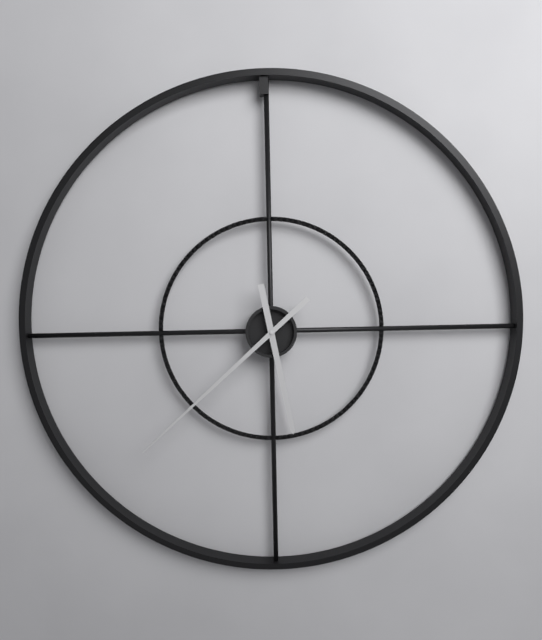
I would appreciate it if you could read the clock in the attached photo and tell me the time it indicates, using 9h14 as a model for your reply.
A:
5h38
